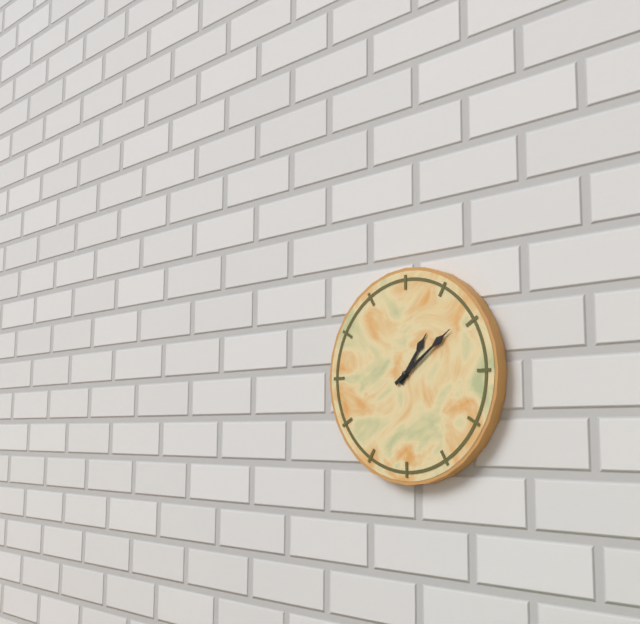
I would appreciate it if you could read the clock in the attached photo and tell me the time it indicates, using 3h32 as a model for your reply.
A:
1h09
